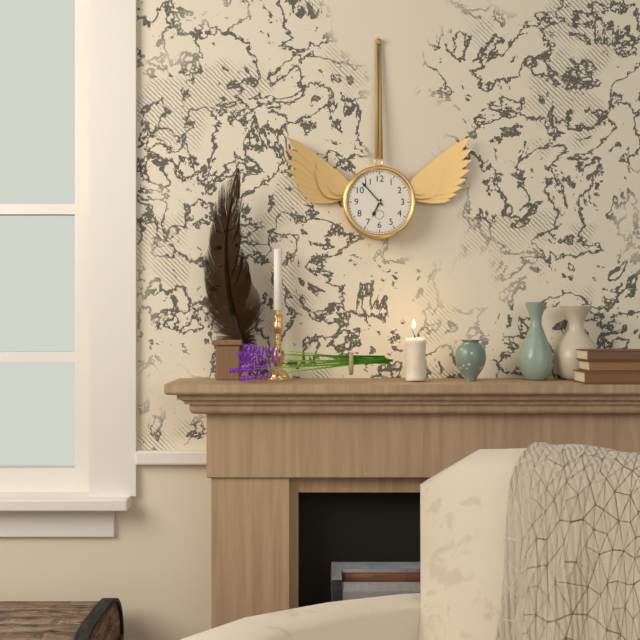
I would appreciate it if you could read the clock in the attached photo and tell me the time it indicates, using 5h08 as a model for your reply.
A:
6h53
